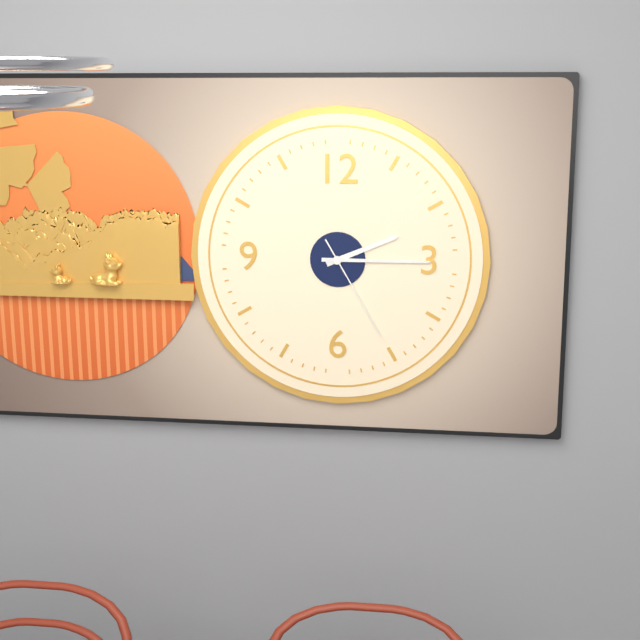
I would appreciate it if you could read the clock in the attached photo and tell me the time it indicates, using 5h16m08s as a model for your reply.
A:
2h15m25s
